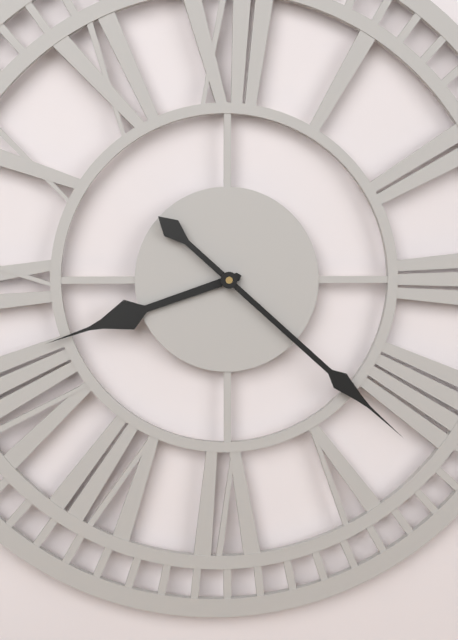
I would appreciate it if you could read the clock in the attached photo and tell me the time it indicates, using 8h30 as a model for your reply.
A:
8h22
